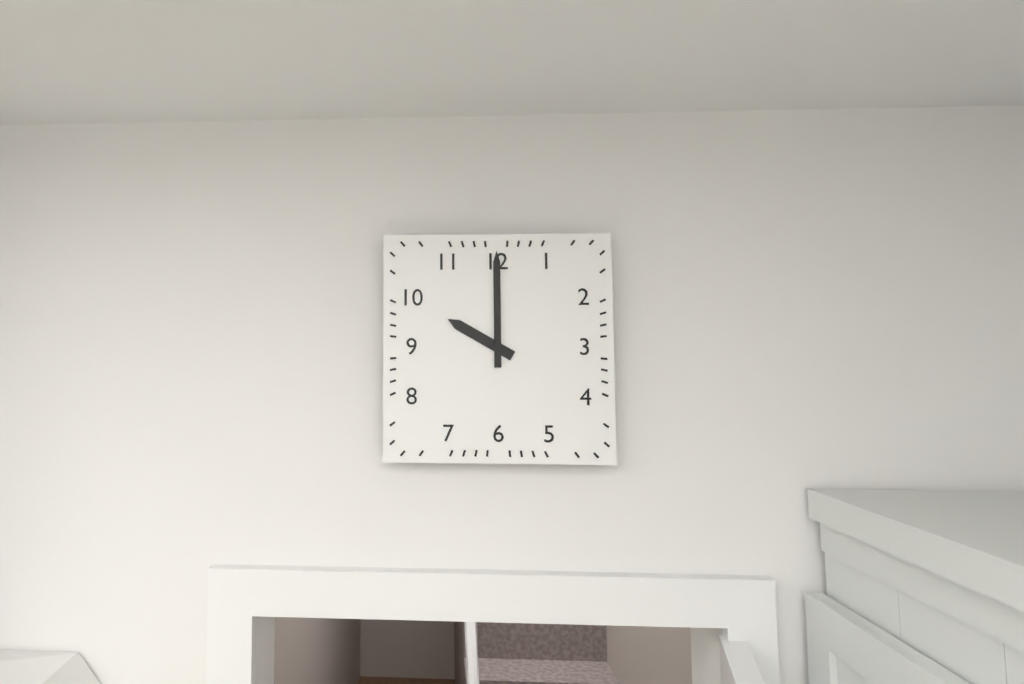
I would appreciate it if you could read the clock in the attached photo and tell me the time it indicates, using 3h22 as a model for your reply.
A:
10h00
